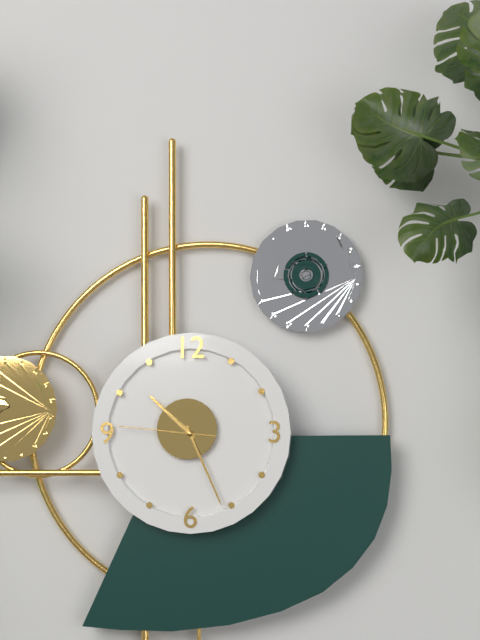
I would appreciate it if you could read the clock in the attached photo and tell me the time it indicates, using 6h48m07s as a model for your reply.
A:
10h26m46s
